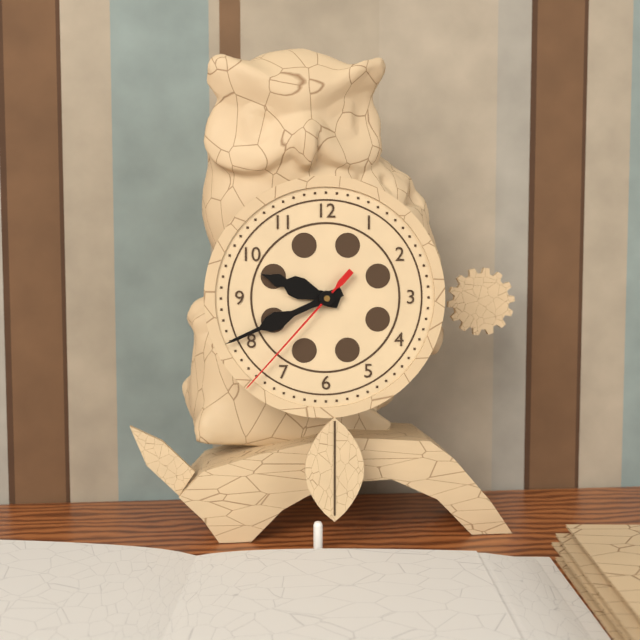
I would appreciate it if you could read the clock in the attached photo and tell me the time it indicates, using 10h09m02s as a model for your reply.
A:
9h41m37s
